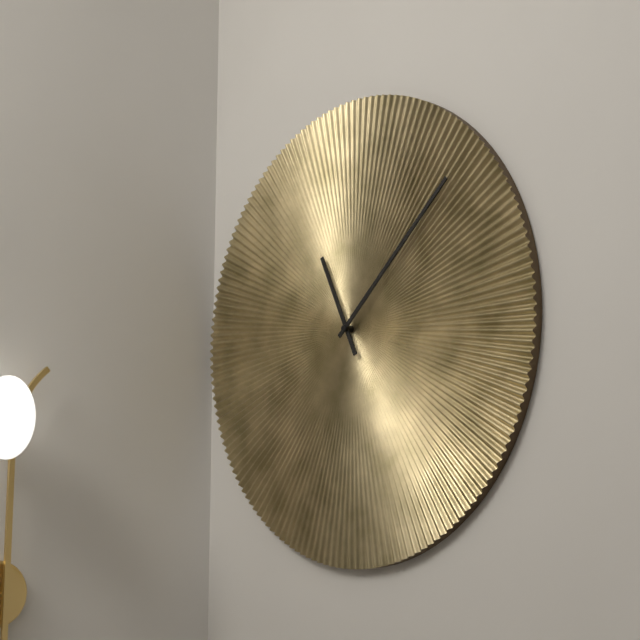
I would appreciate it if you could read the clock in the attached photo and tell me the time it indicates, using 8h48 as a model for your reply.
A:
11h08
